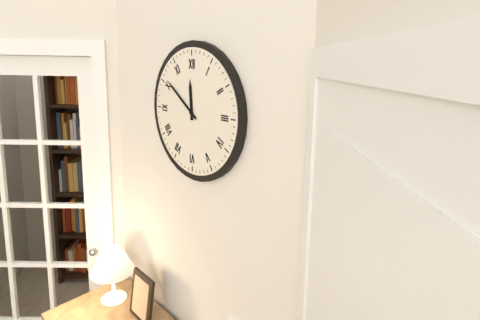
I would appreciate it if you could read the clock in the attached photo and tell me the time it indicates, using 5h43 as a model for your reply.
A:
11h51
